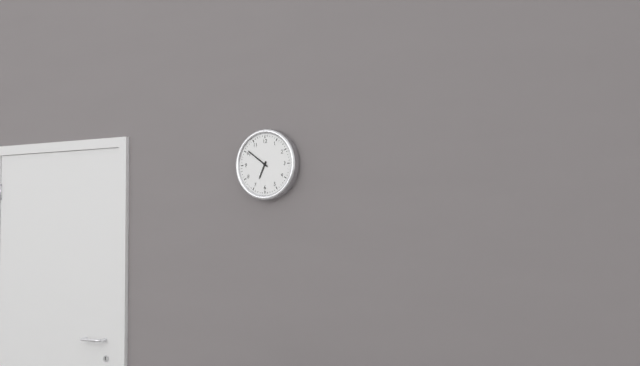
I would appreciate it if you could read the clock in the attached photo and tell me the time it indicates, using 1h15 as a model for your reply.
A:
6h51
